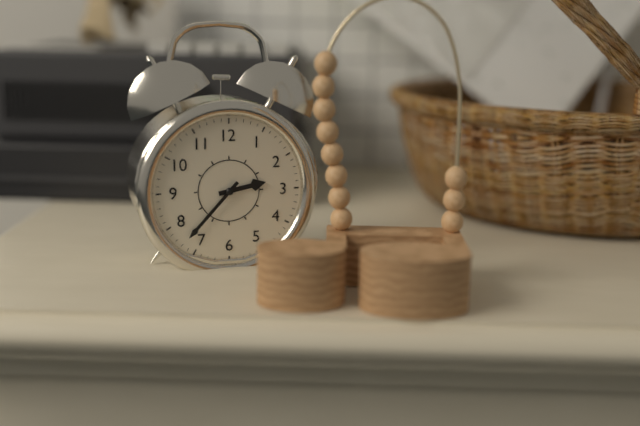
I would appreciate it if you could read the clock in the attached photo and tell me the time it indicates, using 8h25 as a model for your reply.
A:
2h37
